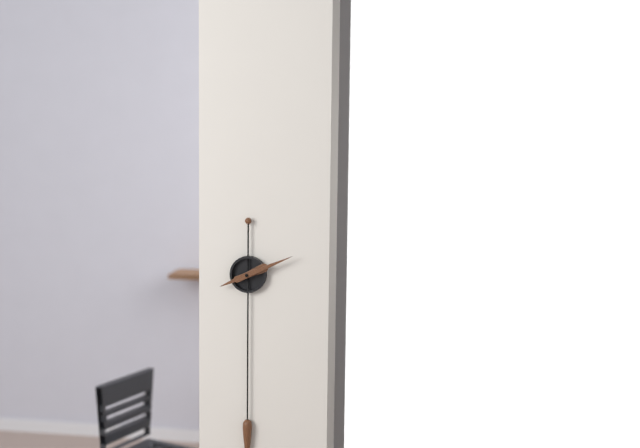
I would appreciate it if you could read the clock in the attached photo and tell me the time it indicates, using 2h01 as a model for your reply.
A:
8h11
